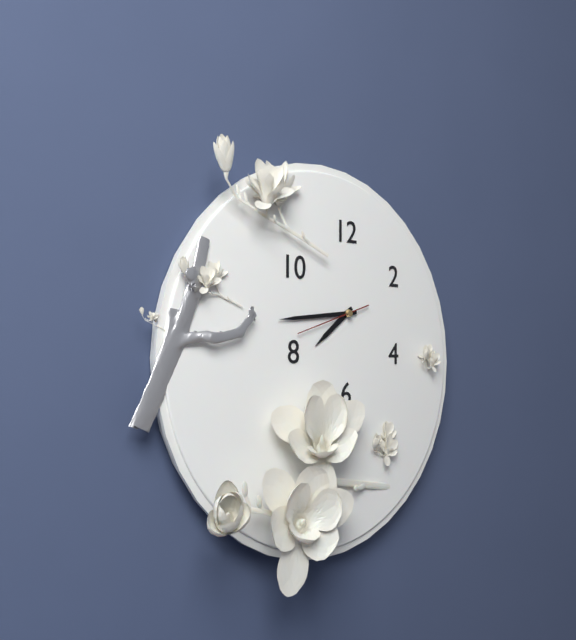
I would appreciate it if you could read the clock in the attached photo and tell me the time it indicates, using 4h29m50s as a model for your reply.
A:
7h44m42s
